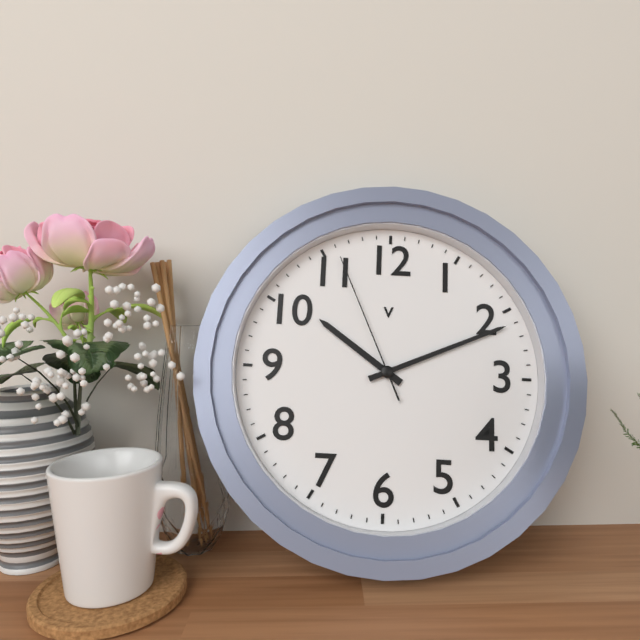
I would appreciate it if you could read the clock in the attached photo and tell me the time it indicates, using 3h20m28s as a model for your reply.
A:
10h11m56s
